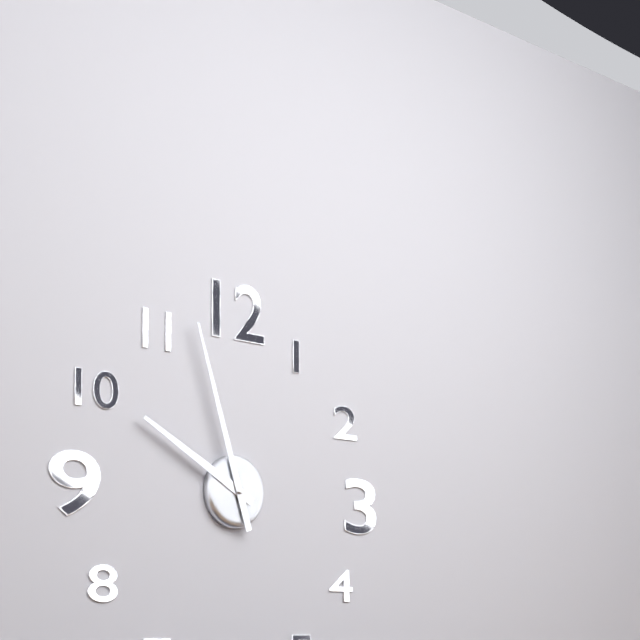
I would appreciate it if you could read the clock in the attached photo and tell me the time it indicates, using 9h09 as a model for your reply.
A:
9h57
